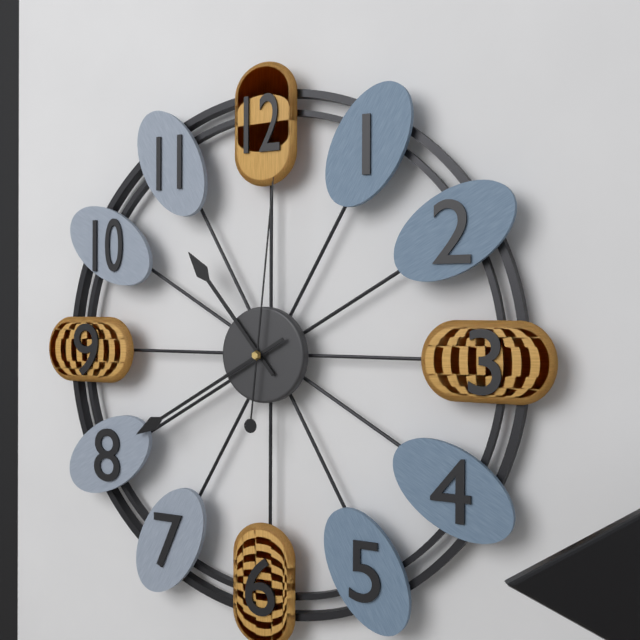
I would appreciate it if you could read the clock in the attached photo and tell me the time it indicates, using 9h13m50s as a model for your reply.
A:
10h40m01s
